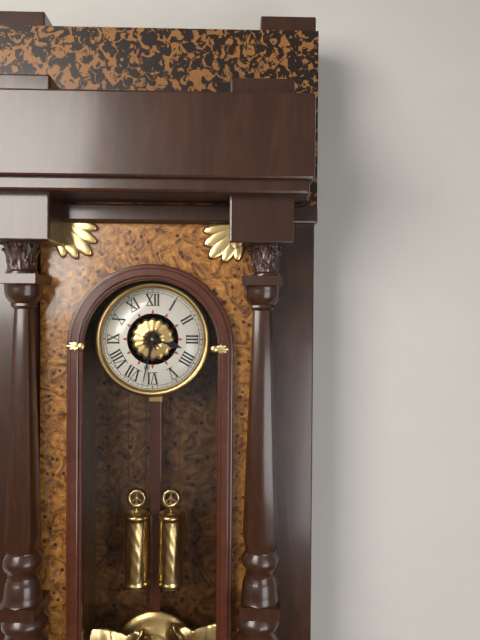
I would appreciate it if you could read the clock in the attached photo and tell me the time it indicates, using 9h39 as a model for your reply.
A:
3h32
